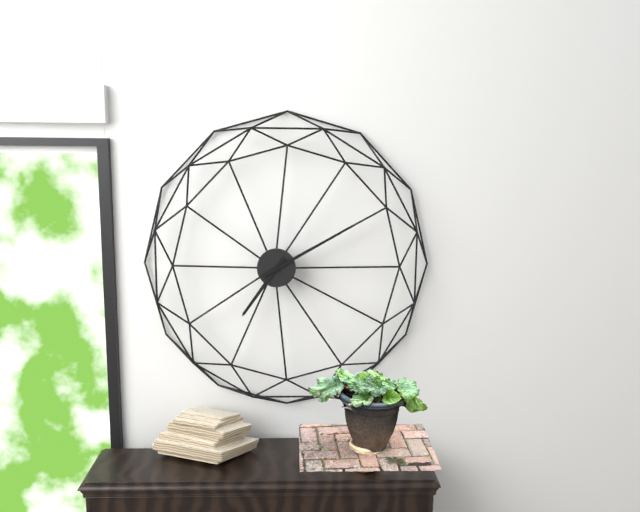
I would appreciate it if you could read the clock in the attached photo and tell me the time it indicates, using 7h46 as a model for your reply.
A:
7h10
